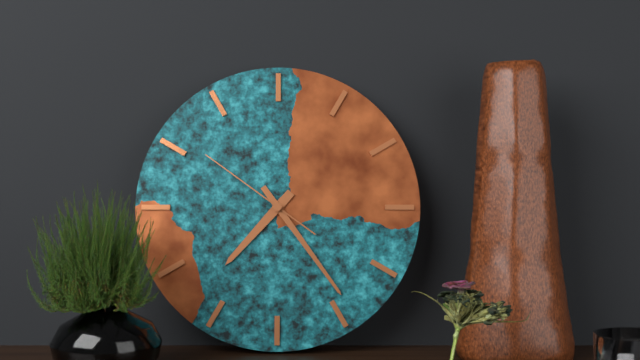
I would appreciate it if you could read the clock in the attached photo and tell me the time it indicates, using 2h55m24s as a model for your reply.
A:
7h24m51s
